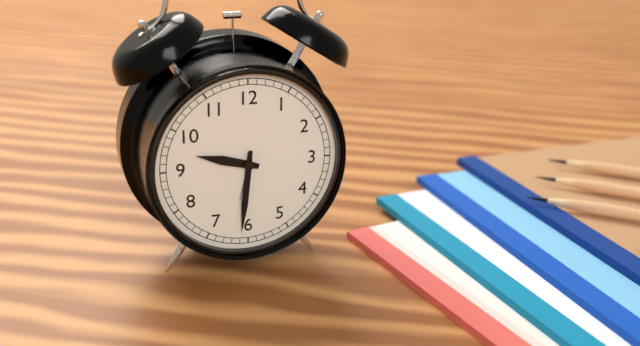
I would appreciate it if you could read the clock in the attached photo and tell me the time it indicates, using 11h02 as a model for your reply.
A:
9h31
